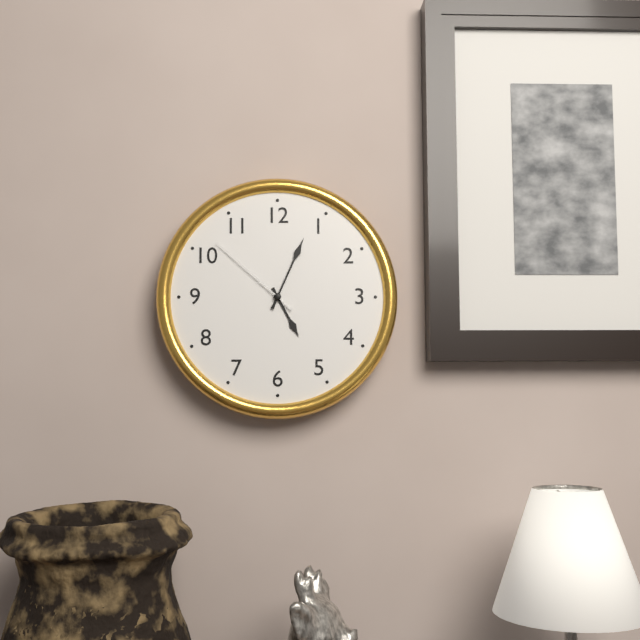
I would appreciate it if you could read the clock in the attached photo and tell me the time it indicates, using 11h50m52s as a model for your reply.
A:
5h04m52s
